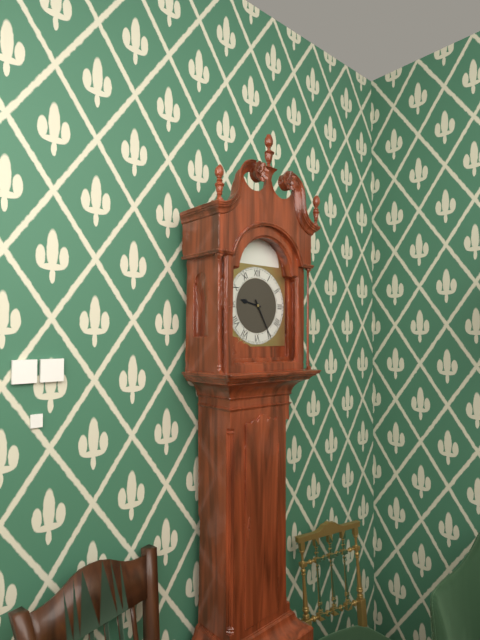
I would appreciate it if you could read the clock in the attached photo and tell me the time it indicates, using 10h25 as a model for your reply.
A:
9h25
